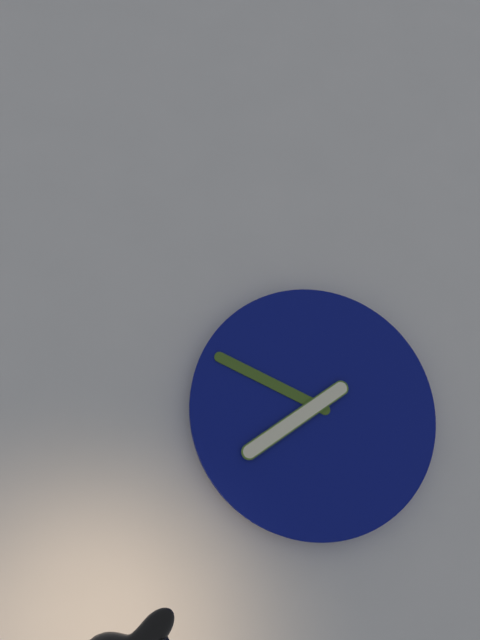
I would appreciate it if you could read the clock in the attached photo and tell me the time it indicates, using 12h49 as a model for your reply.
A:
7h49
